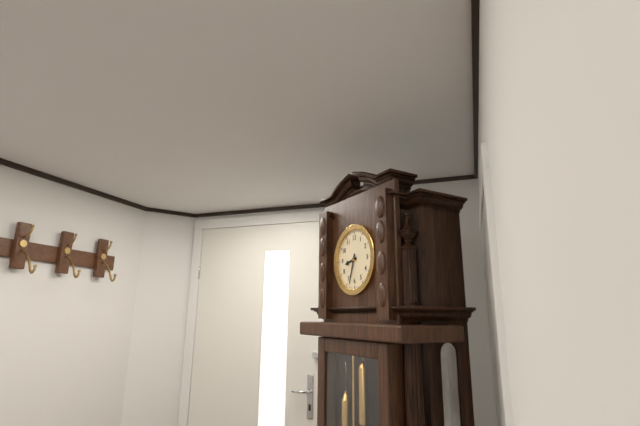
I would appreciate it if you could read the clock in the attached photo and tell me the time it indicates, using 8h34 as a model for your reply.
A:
8h33
